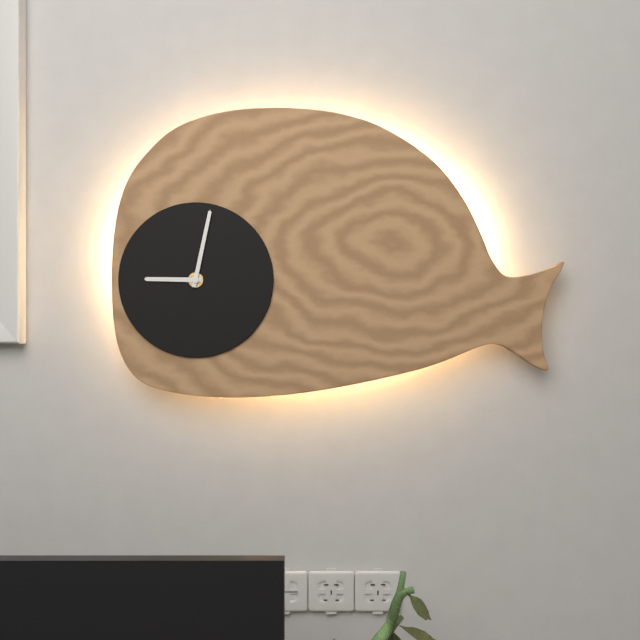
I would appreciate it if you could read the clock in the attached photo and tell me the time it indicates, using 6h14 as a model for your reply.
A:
9h02
